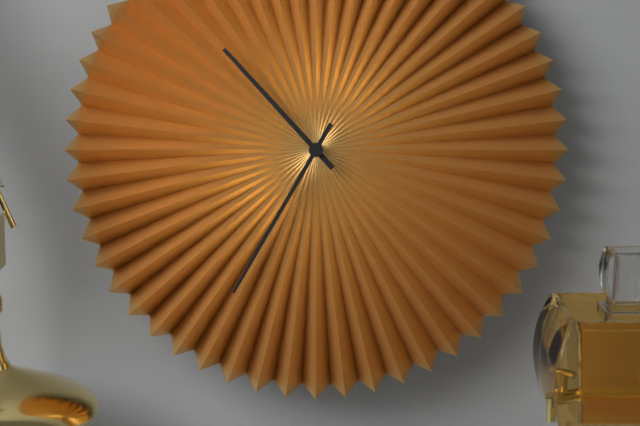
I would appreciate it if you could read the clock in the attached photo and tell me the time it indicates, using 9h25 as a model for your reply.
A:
10h35
